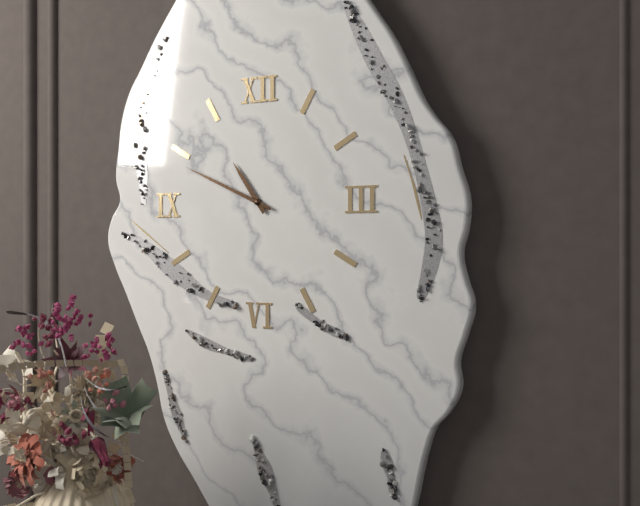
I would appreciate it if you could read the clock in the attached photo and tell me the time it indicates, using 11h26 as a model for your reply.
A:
10h49
